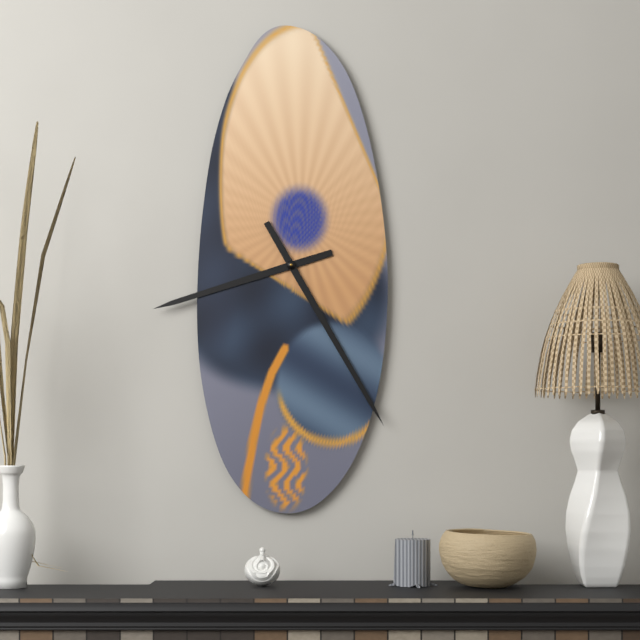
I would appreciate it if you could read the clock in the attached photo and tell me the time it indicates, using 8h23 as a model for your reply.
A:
8h25
